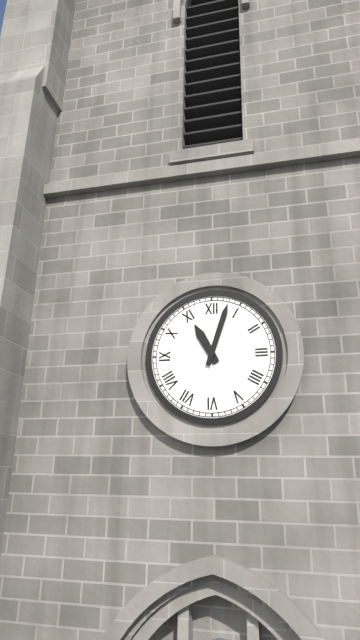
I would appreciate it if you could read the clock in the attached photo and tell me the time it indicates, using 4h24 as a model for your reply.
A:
11h03
